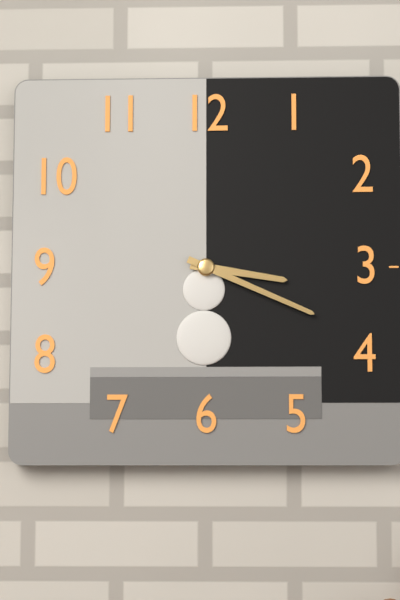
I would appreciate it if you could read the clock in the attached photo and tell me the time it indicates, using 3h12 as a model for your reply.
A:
3h19
